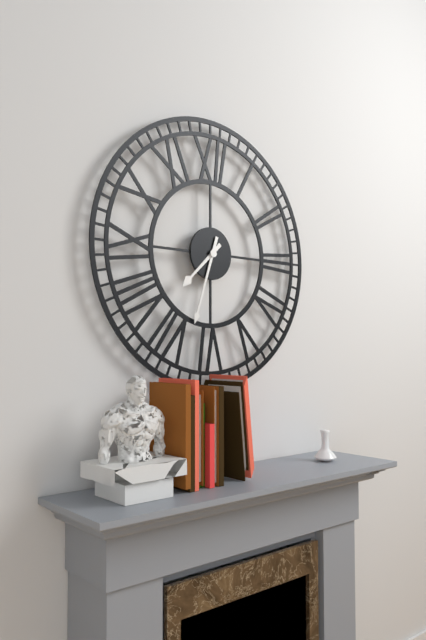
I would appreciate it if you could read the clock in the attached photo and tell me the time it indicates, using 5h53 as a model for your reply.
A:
7h33
